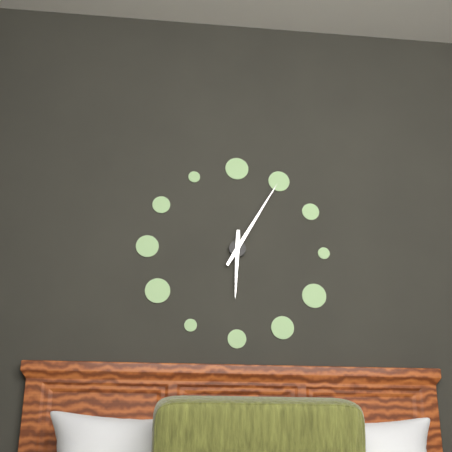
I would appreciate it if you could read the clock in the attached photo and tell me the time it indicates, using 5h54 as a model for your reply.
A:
6h05
